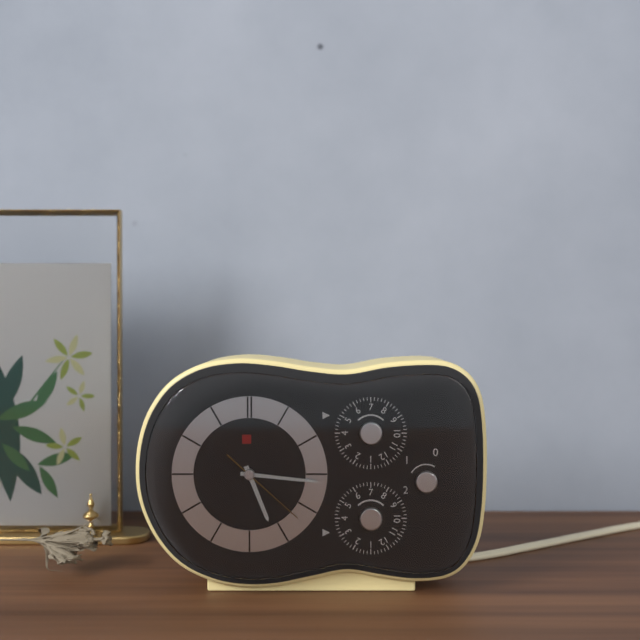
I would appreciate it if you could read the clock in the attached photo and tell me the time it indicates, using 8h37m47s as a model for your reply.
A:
5h16m22s
